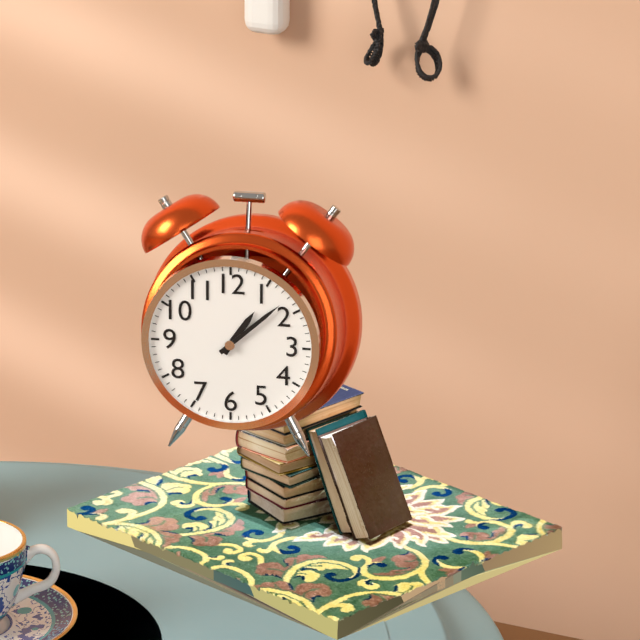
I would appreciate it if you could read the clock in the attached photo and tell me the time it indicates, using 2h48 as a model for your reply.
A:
1h08
